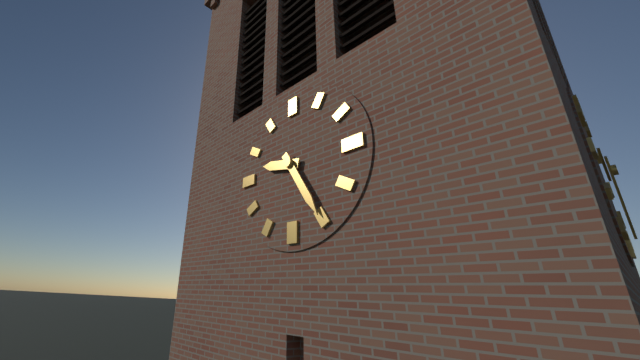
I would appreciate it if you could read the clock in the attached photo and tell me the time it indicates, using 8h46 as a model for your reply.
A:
9h25
